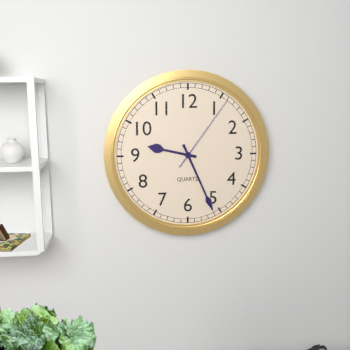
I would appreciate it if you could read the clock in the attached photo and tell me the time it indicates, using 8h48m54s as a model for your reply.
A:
9h26m06s
